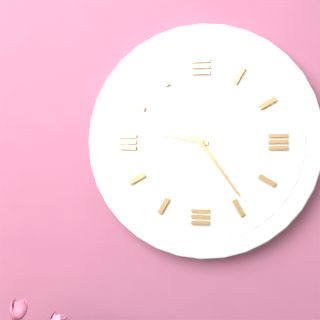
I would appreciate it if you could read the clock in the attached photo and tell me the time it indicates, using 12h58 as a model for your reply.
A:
9h24
